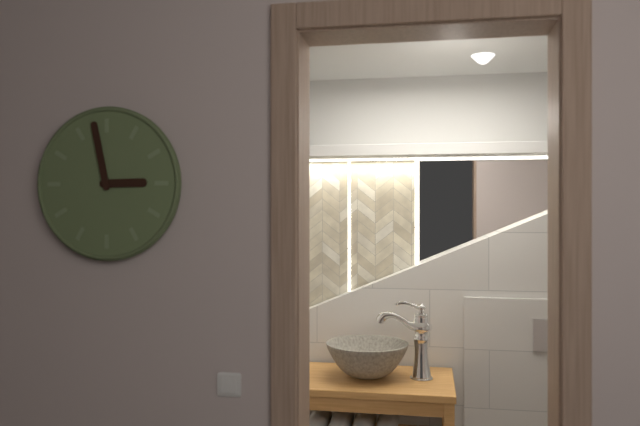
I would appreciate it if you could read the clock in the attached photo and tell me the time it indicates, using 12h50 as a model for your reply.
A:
2h58
